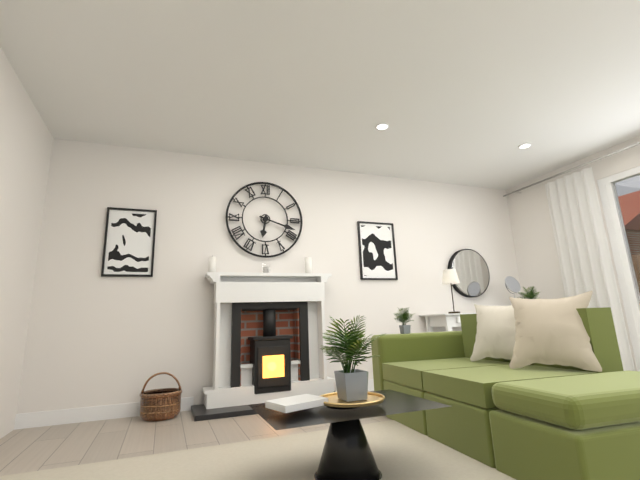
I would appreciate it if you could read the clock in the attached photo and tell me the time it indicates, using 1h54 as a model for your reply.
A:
6h18
